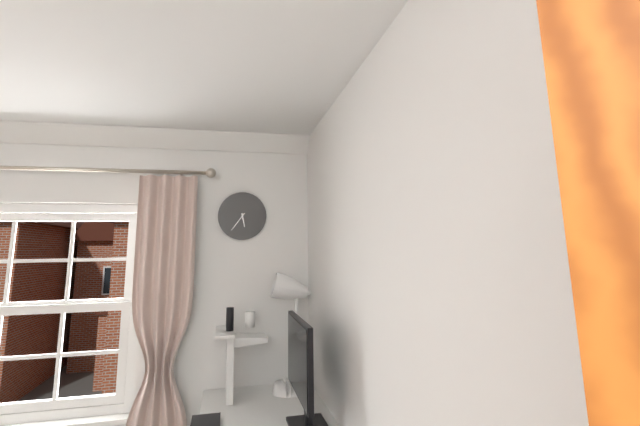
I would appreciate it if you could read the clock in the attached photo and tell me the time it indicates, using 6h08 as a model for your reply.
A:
5h36
